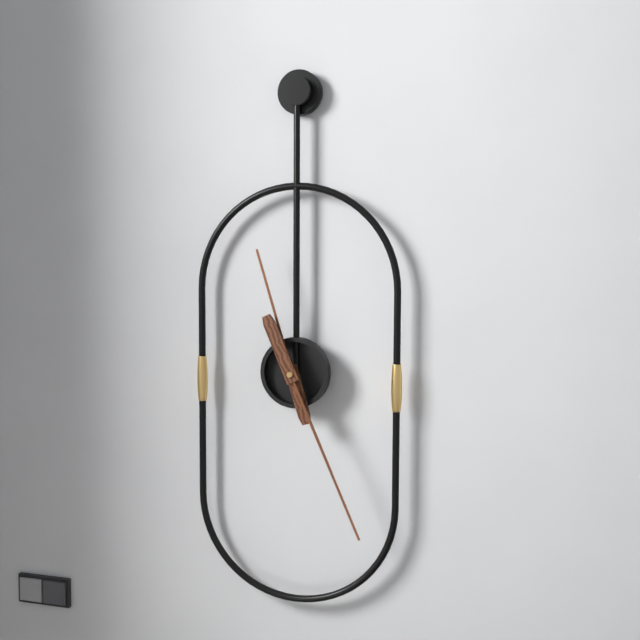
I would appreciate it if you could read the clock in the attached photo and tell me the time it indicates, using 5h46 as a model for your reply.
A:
11h26
